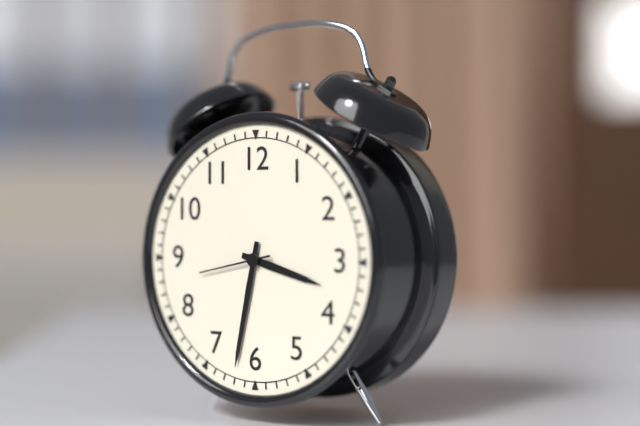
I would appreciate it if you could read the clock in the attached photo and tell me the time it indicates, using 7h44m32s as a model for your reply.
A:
3h32m43s
